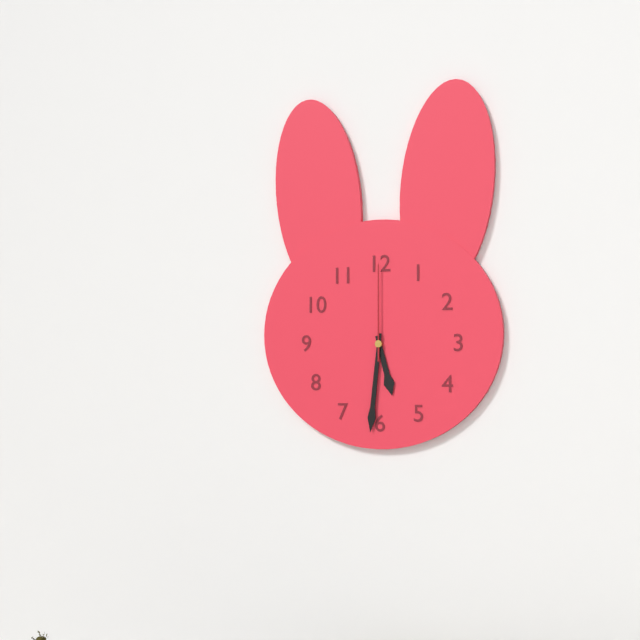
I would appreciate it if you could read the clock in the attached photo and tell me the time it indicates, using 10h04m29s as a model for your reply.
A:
5h31m00s
